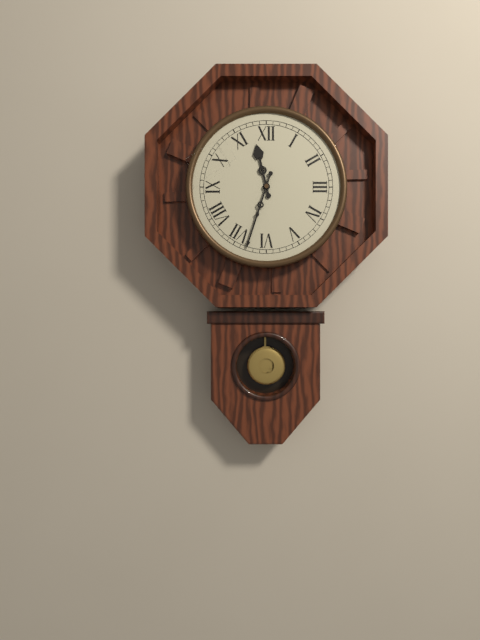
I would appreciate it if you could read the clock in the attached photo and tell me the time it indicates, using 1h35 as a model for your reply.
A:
11h33
